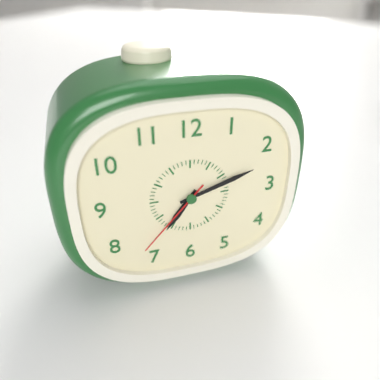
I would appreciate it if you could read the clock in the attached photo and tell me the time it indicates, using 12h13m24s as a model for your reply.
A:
7h12m37s
